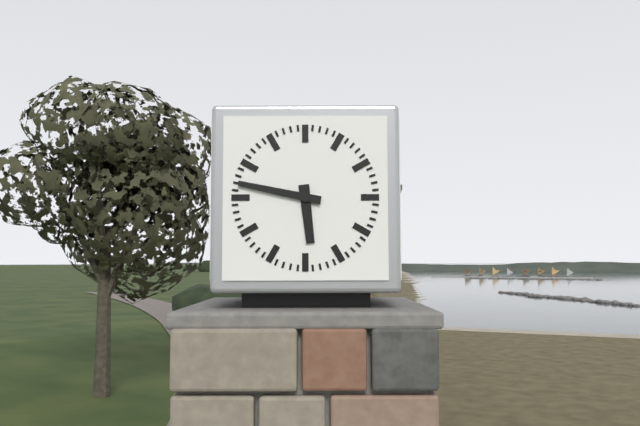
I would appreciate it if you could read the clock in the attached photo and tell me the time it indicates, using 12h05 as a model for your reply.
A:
5h47
